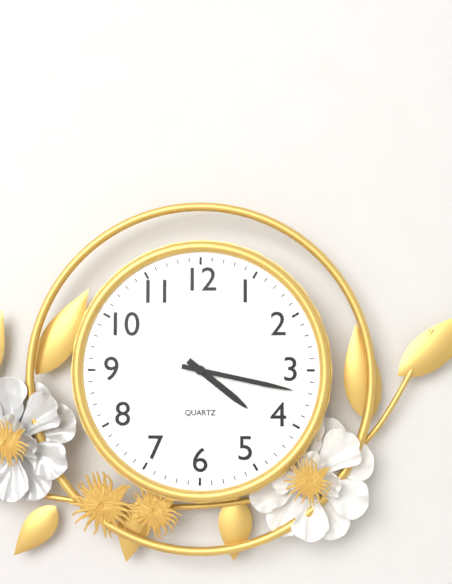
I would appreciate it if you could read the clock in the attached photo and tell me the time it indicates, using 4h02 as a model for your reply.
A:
4h17
